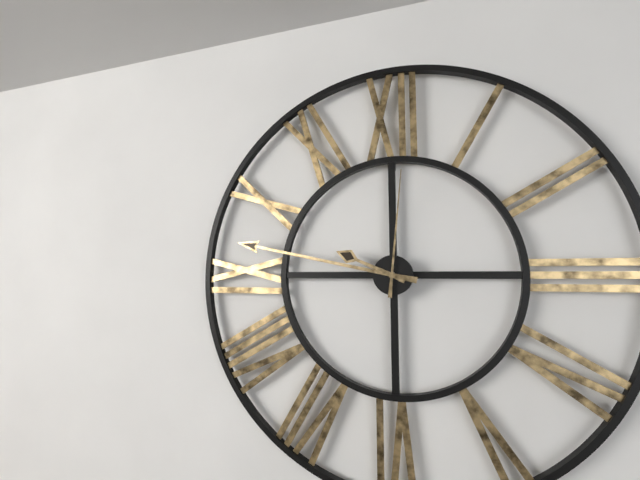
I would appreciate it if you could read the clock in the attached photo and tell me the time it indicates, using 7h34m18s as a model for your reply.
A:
9h47m01s
